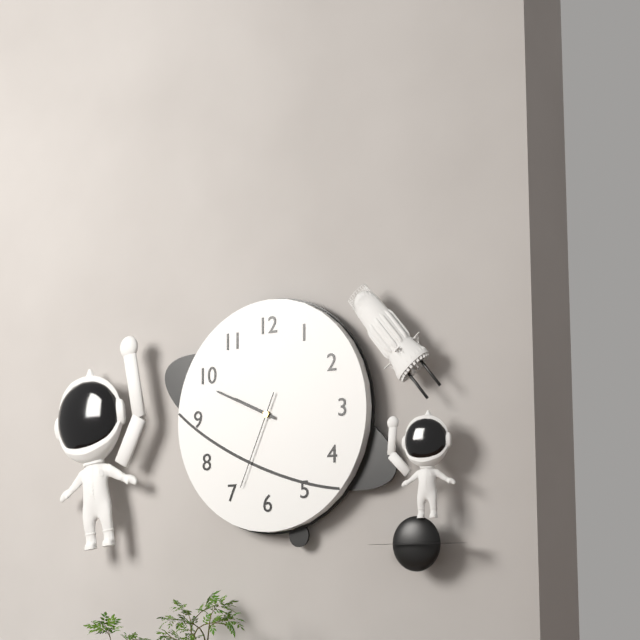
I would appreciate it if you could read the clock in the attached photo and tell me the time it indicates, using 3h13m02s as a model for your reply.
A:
9h49m34s
